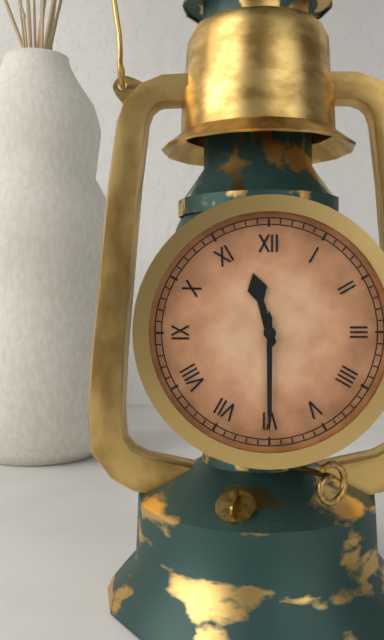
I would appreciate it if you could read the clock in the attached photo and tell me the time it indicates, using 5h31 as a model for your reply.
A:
11h30
